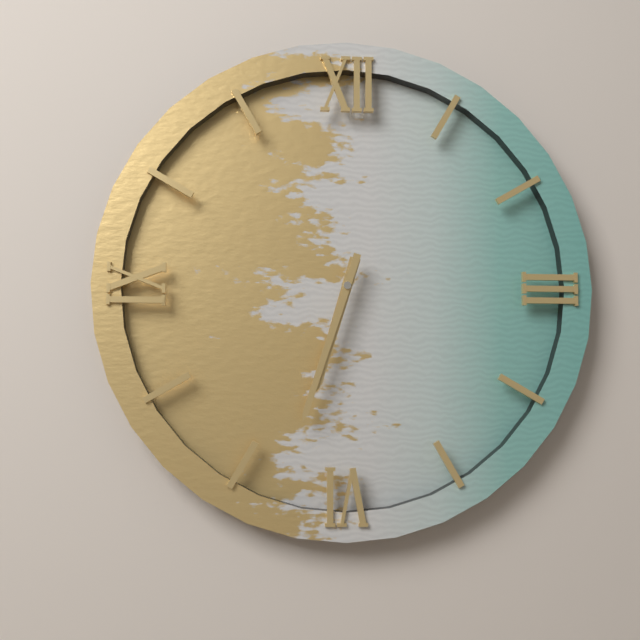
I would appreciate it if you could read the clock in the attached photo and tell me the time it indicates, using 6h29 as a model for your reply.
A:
6h33
